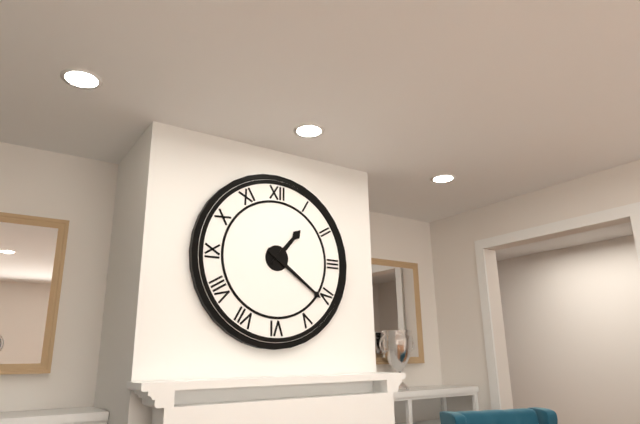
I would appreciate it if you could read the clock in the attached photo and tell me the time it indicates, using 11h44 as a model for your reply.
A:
1h21
